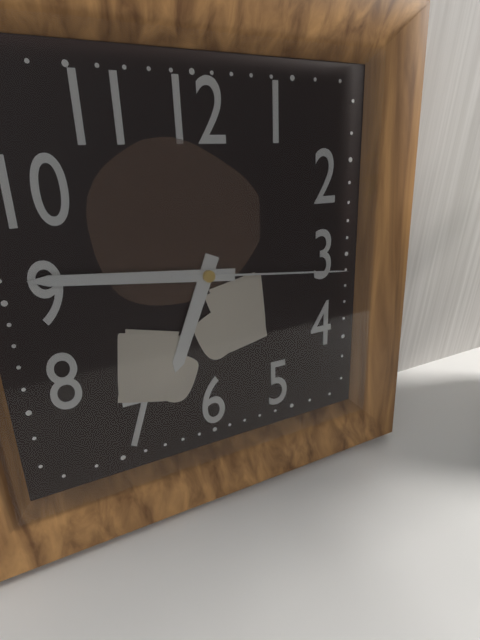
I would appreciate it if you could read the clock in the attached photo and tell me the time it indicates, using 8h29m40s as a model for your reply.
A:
6h46m16s
